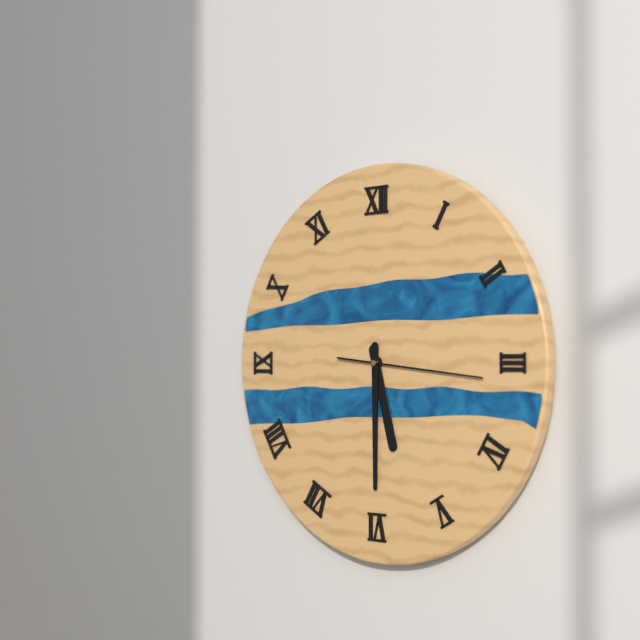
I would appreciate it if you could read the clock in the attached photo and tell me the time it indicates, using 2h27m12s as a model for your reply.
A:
5h30m16s
